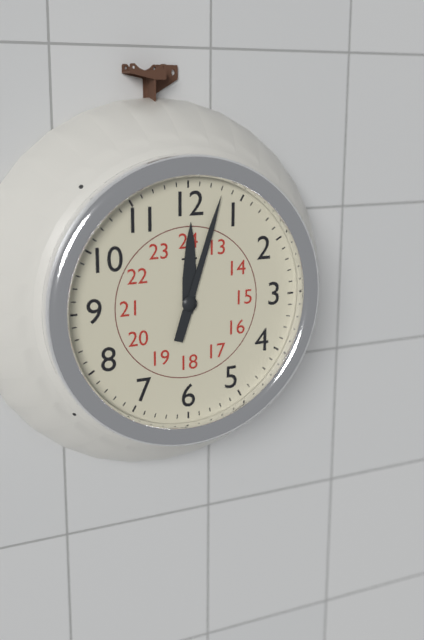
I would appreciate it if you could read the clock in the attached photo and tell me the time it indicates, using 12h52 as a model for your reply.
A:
12h03
